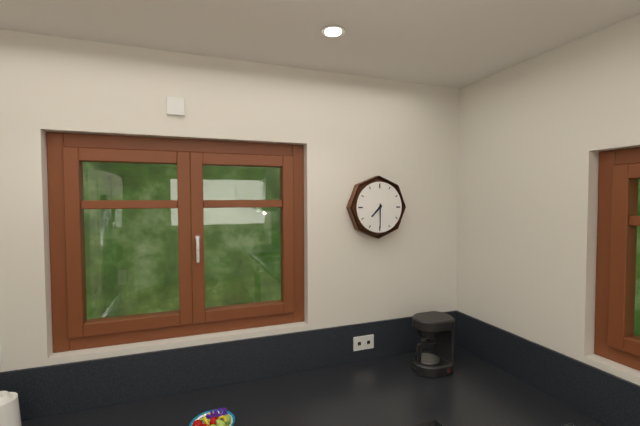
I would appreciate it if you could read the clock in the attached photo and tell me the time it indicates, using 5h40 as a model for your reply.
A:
7h30
